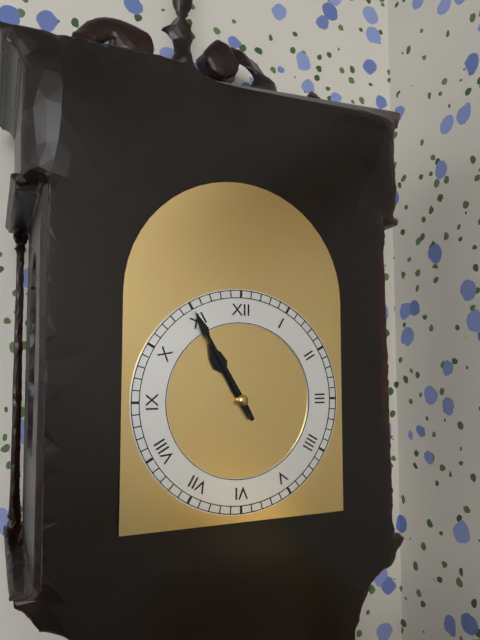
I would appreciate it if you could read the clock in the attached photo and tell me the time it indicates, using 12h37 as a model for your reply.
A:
10h55
